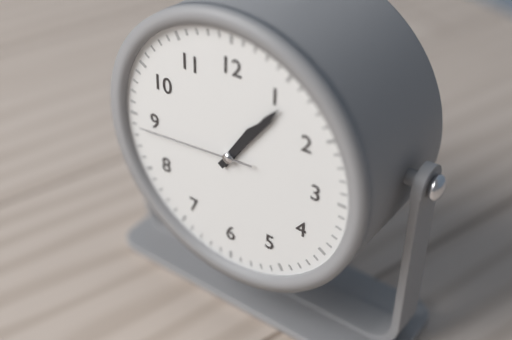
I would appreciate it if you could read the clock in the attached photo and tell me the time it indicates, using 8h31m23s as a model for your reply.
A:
1h06m44s
